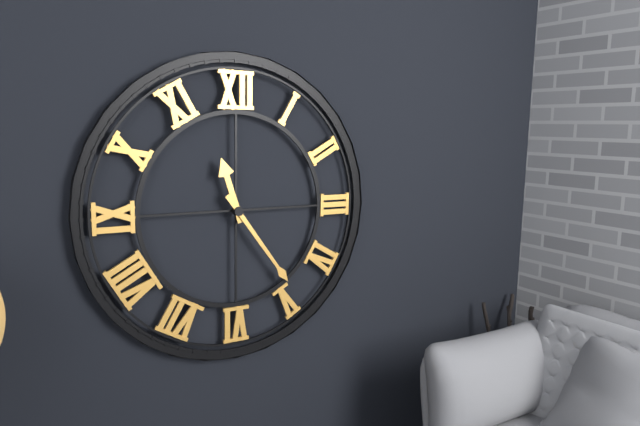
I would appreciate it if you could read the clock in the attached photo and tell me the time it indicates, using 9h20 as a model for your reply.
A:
11h24
